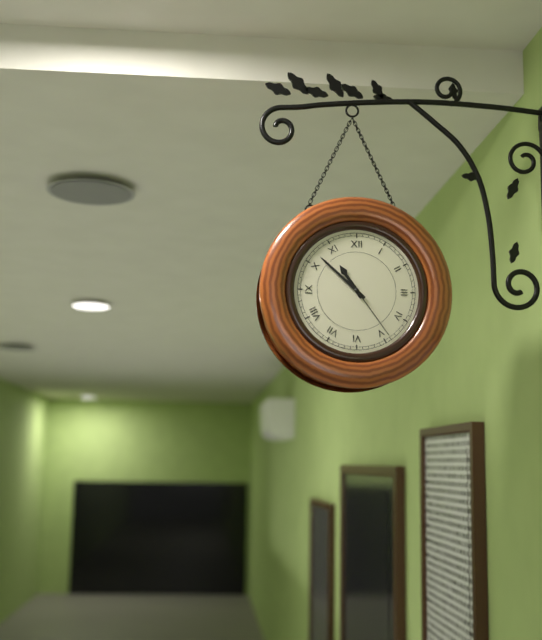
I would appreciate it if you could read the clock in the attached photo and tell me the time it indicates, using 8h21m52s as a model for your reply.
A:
10h52m24s
